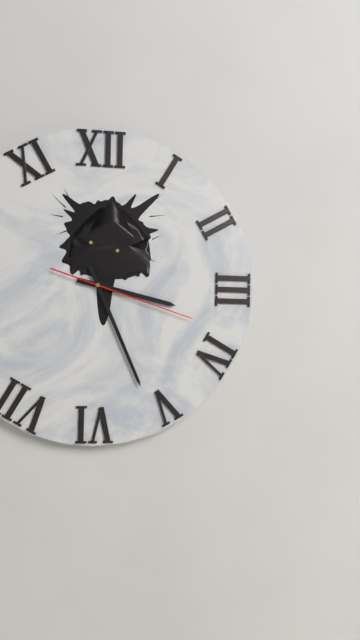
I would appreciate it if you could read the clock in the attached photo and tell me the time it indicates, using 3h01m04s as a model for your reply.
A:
3h26m18s
